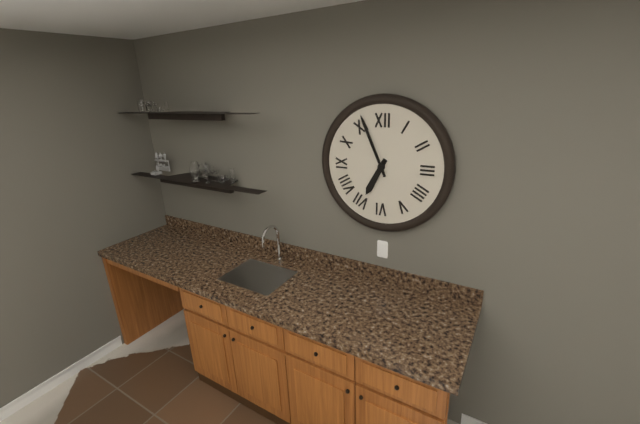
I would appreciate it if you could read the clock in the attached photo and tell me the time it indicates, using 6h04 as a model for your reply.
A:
6h56
